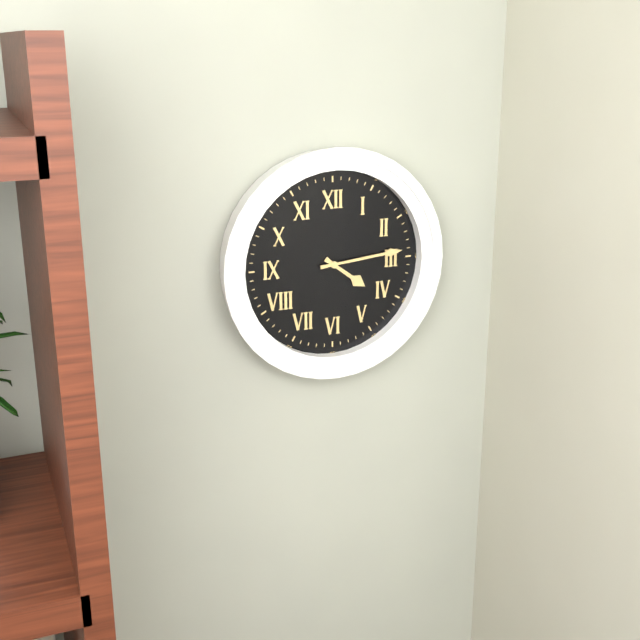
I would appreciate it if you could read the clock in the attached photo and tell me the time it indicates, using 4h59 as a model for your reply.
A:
4h14
